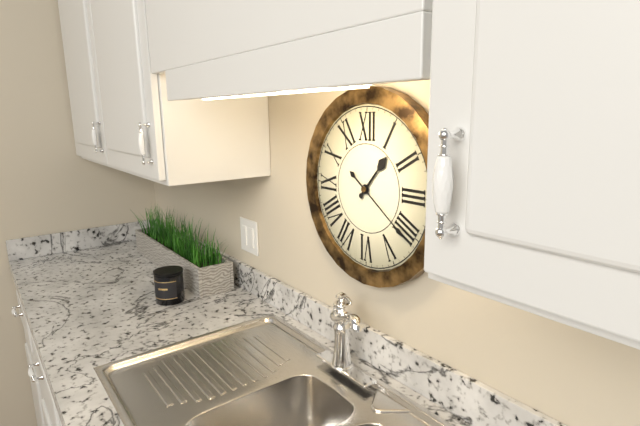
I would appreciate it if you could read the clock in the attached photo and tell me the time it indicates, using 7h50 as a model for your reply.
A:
1h21
